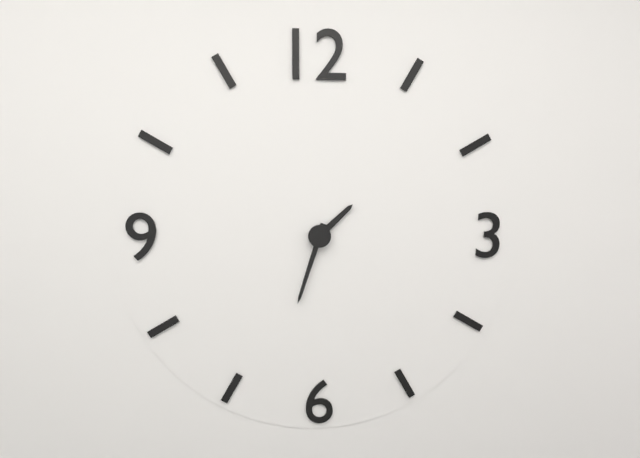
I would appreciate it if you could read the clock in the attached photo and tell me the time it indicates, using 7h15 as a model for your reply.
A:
1h33
